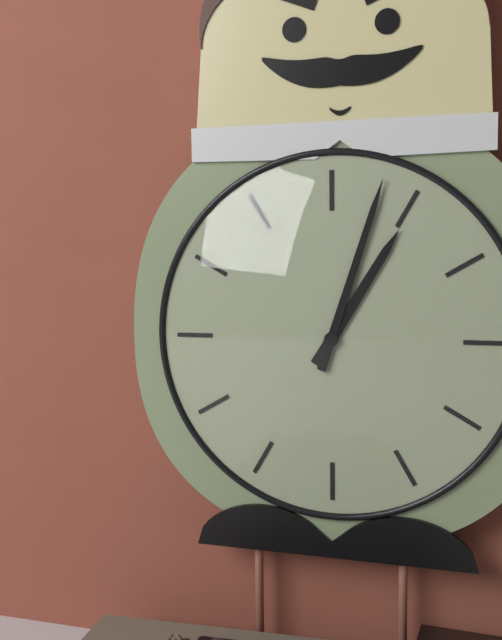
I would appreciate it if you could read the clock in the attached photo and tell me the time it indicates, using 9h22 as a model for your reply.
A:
1h03
